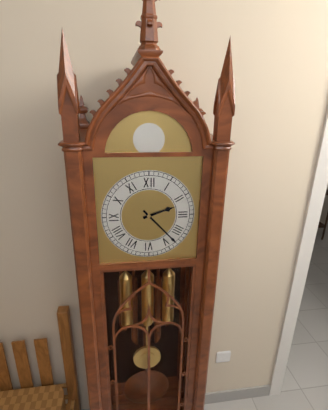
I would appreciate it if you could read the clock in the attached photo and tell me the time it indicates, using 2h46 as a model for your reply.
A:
2h23
